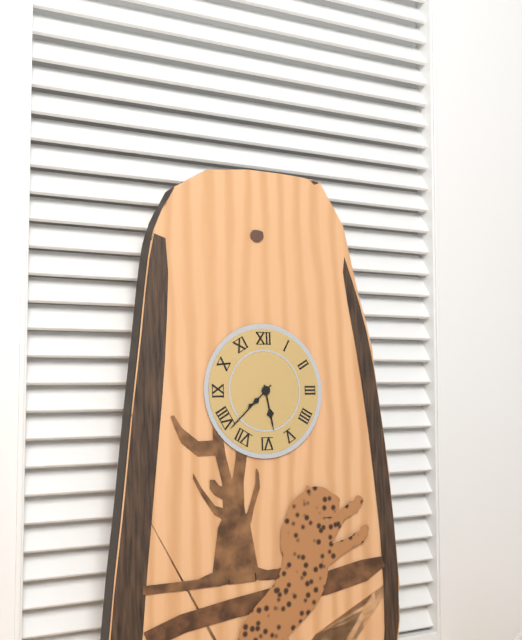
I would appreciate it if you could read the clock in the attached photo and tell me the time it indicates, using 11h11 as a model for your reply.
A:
5h38
